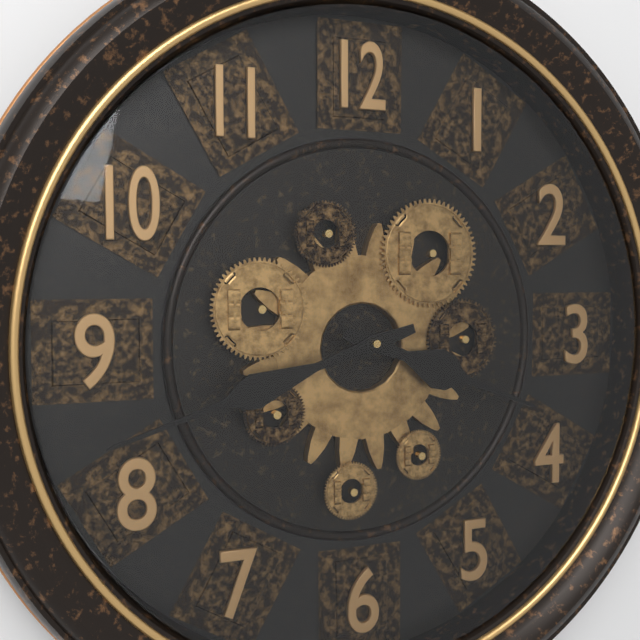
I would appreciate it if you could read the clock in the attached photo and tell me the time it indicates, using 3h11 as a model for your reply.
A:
3h42
